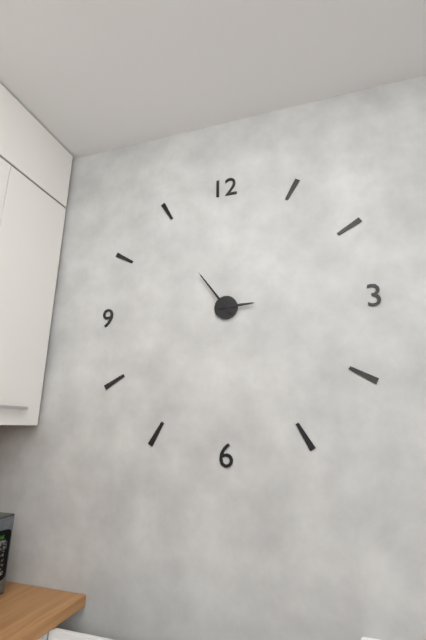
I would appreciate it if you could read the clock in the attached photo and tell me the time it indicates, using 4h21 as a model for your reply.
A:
2h54
